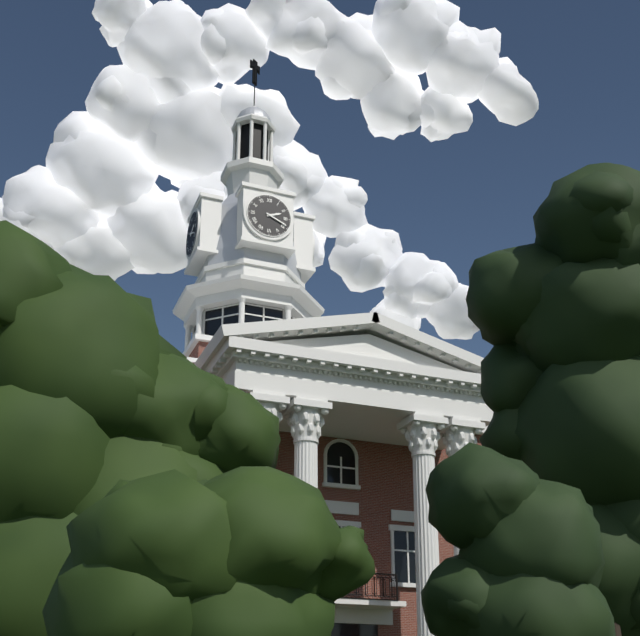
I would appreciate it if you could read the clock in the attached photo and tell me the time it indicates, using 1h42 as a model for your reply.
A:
2h19
